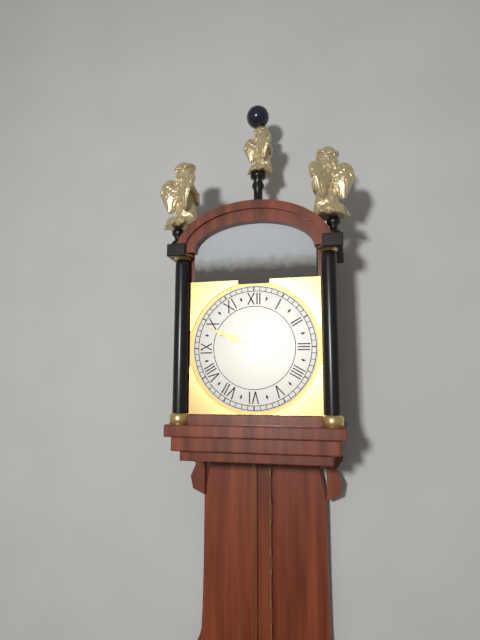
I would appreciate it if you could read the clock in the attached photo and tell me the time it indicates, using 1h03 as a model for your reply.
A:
9h49
